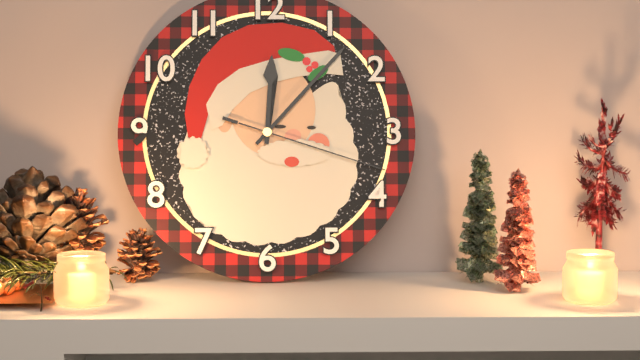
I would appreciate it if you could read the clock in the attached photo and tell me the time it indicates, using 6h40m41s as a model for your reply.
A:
12h07m18s
